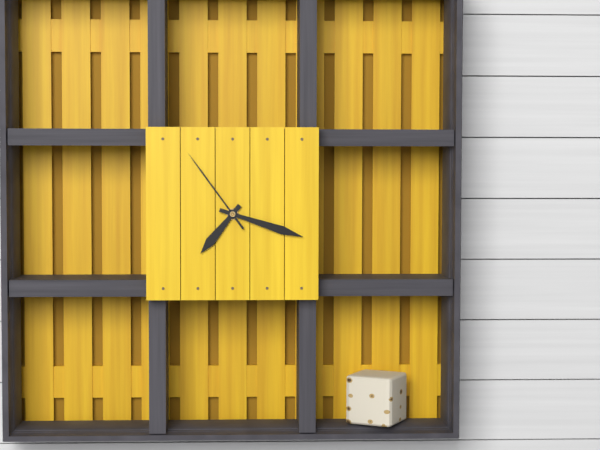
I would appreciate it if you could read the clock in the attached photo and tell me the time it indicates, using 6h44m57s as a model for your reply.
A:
7h18m54s
